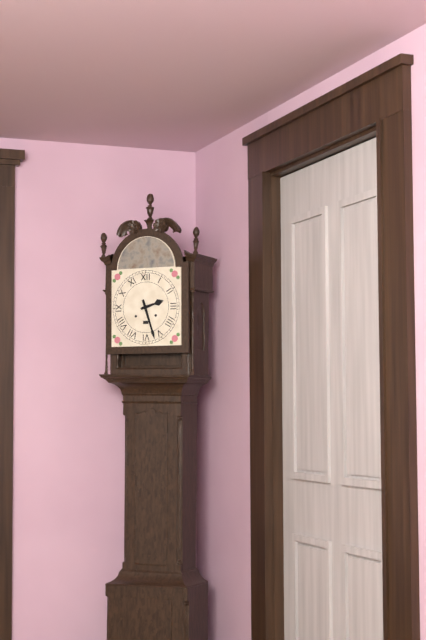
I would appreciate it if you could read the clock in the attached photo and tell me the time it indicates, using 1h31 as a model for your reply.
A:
2h27
